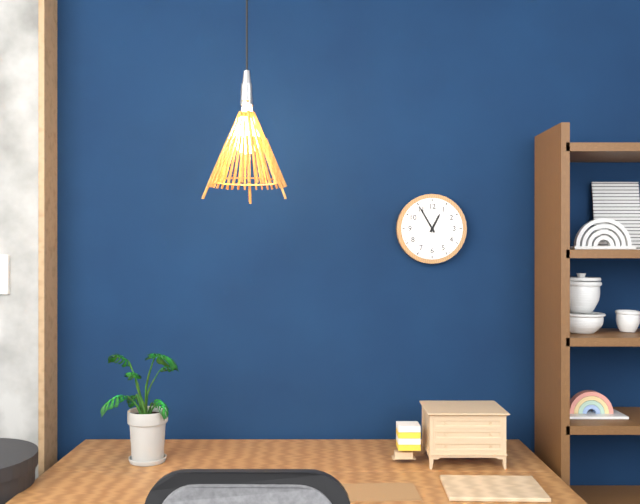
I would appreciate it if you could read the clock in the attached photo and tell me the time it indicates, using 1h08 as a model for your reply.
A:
12h55
